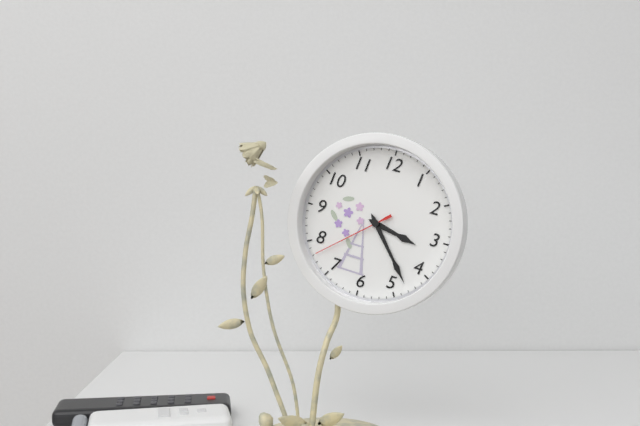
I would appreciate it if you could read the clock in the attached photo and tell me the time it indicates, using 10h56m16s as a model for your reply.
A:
3h23m38s
